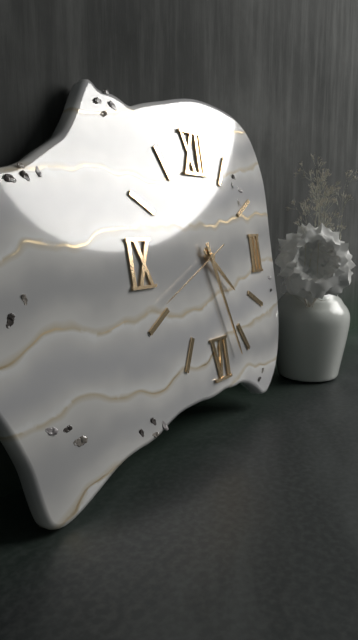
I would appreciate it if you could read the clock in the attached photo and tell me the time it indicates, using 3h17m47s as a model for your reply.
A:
4h27m41s
